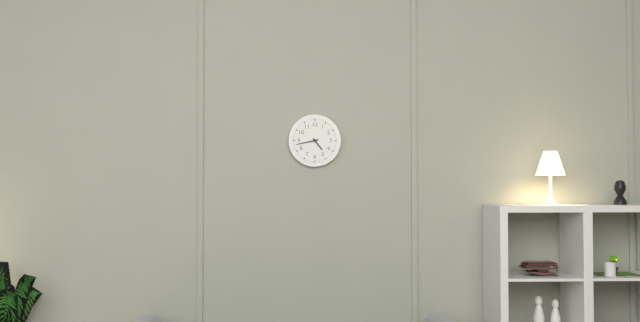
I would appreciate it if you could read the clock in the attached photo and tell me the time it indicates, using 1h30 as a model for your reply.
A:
4h43
